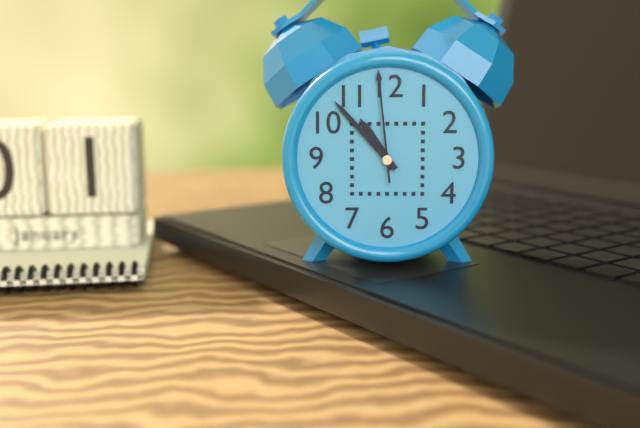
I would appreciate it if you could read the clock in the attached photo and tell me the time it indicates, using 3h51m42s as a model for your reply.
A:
10h53m59s
